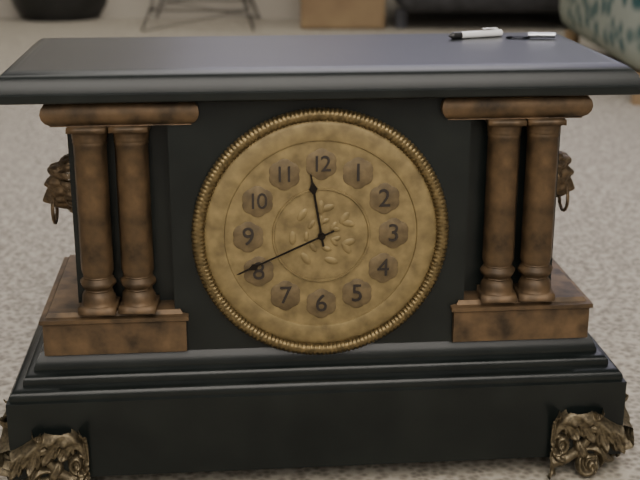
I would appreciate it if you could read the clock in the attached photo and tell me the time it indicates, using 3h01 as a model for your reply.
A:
11h41
